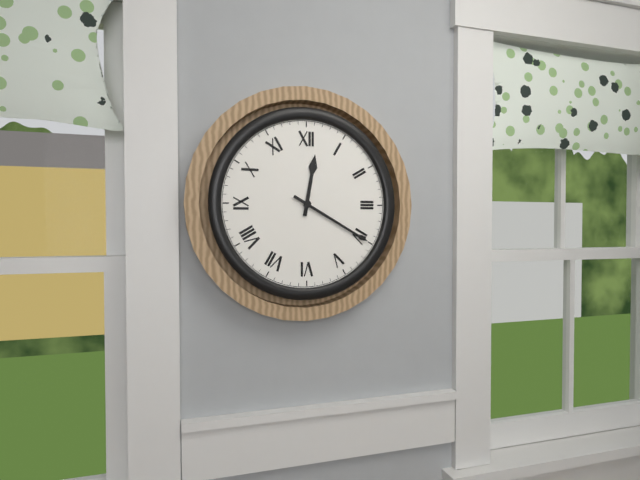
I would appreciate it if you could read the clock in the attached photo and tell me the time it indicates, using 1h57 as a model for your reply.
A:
12h20
